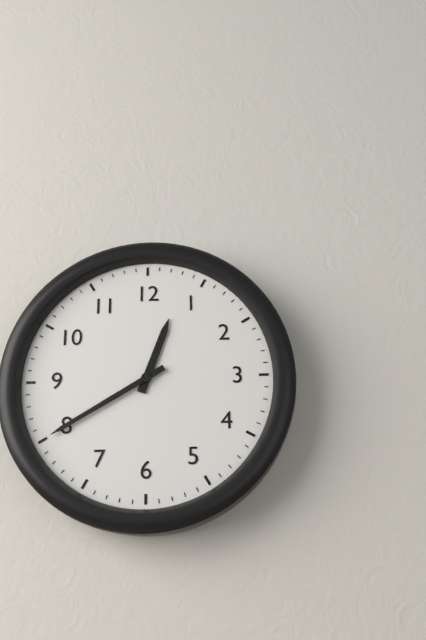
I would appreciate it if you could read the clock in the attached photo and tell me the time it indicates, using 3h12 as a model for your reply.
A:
12h40
